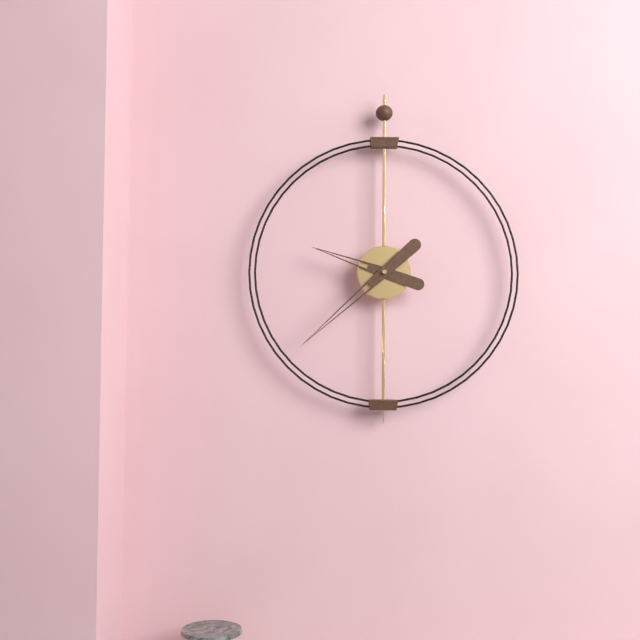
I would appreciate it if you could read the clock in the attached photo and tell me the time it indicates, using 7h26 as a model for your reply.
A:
9h38
